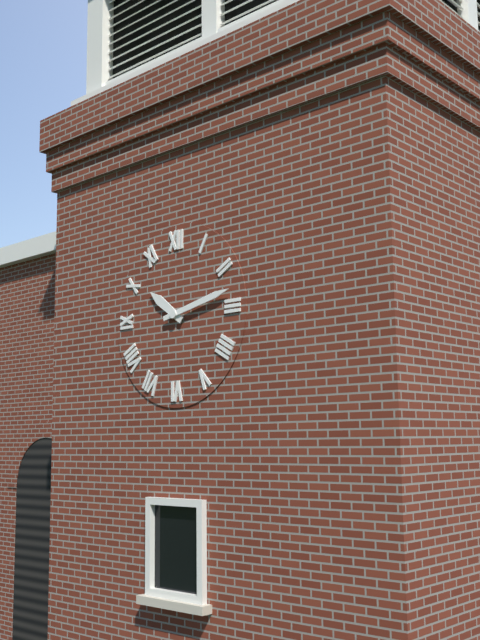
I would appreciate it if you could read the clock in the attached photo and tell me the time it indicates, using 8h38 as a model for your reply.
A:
10h13
